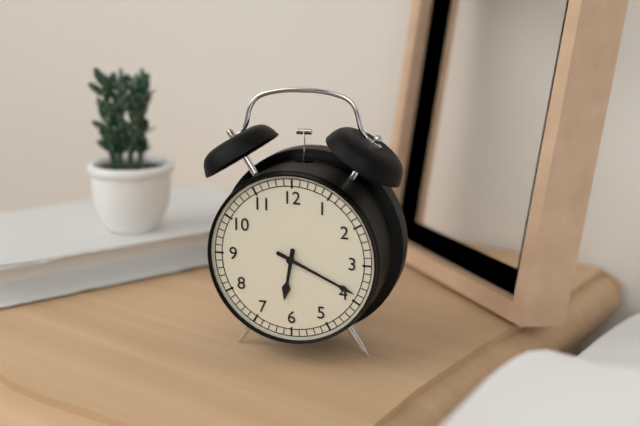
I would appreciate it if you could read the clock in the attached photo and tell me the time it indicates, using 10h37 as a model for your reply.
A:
6h19
